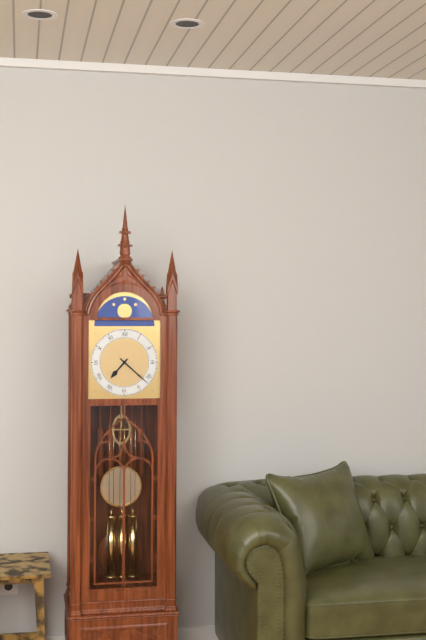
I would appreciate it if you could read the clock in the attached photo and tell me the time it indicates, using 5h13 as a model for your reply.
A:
7h22
